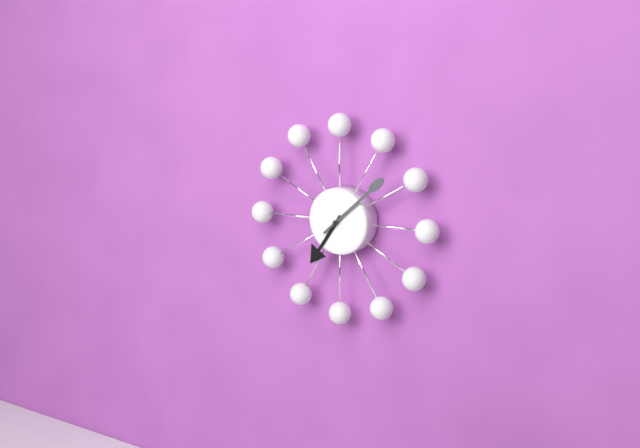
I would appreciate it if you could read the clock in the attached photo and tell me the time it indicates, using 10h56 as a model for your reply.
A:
7h08
